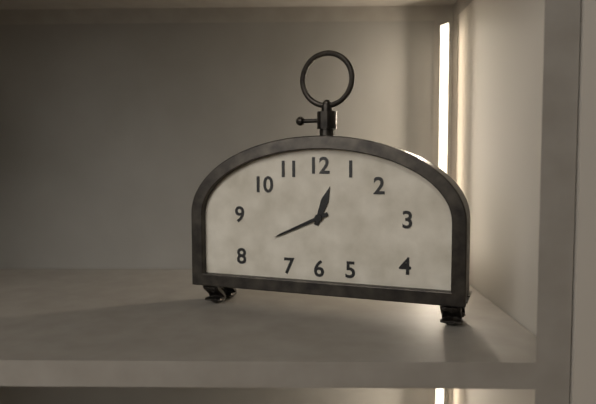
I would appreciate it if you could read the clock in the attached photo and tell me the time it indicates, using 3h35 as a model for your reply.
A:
12h41
